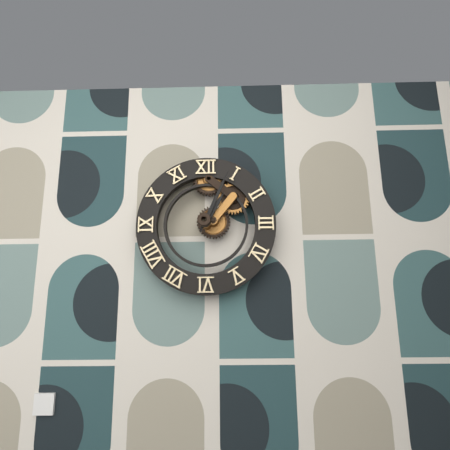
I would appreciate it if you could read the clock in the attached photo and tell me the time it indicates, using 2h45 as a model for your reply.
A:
1h04
